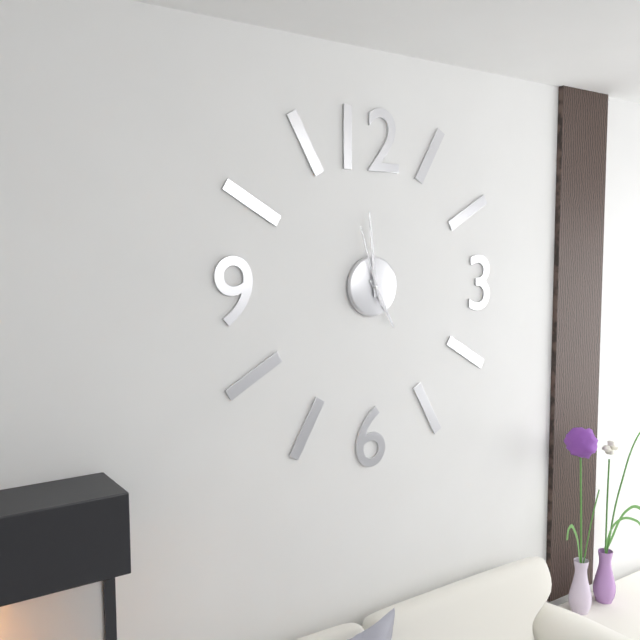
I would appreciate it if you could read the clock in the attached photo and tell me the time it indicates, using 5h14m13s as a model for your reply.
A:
4h59m57s
